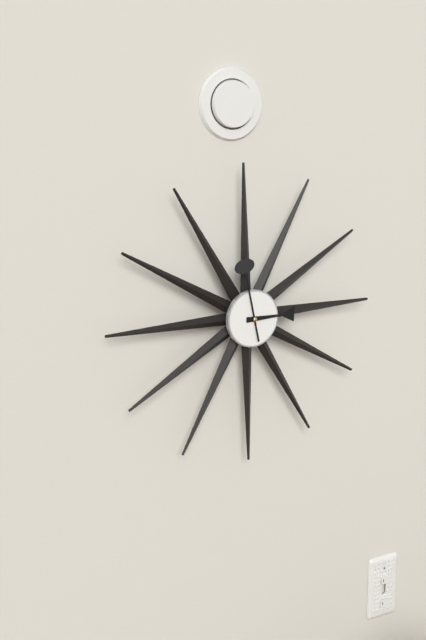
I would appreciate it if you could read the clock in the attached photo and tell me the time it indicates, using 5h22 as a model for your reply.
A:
2h58
